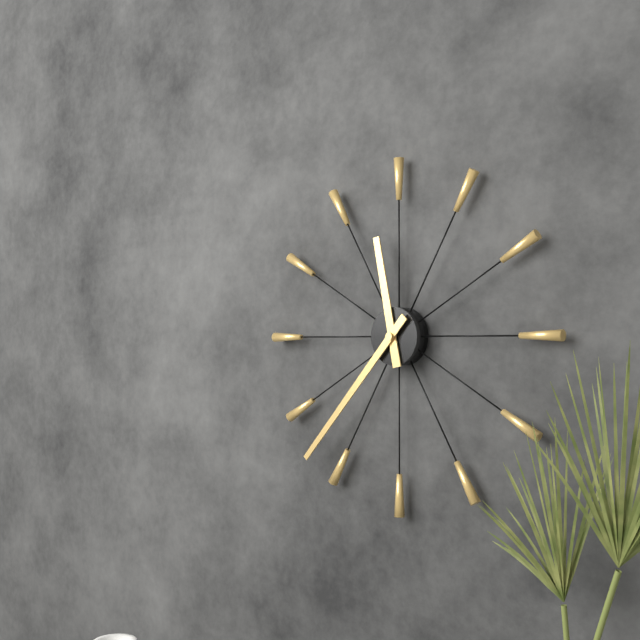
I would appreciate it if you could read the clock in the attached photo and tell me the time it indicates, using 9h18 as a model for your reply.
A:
11h37
